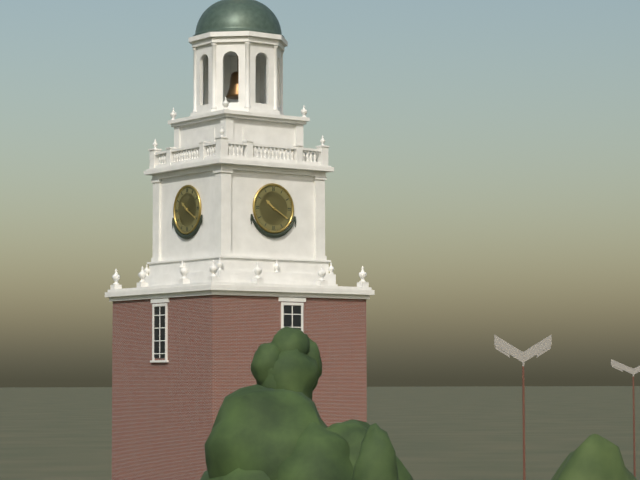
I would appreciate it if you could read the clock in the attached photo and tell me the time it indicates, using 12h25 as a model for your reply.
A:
10h20
